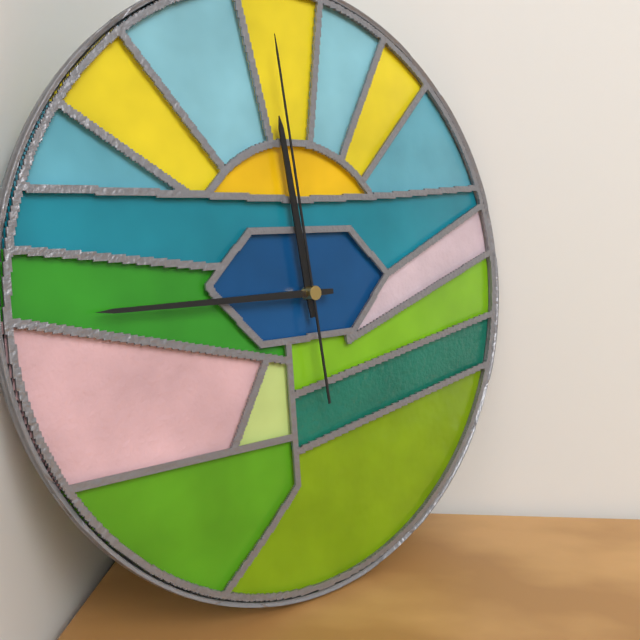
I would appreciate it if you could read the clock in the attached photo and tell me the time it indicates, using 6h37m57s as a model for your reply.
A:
11h45m59s
